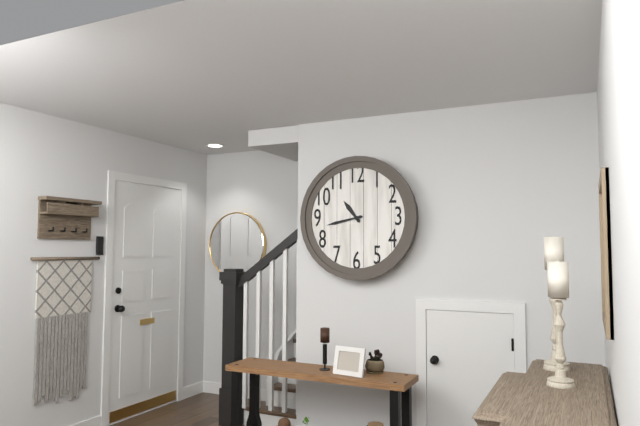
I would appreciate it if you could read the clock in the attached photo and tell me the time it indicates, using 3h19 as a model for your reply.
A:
10h43
